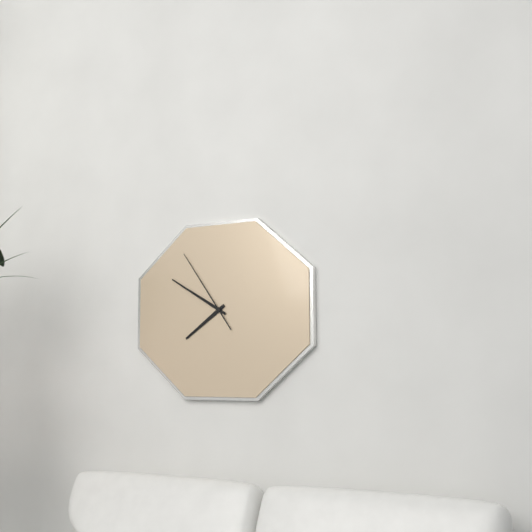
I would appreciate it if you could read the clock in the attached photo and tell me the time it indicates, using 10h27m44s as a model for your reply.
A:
7h50m54s
